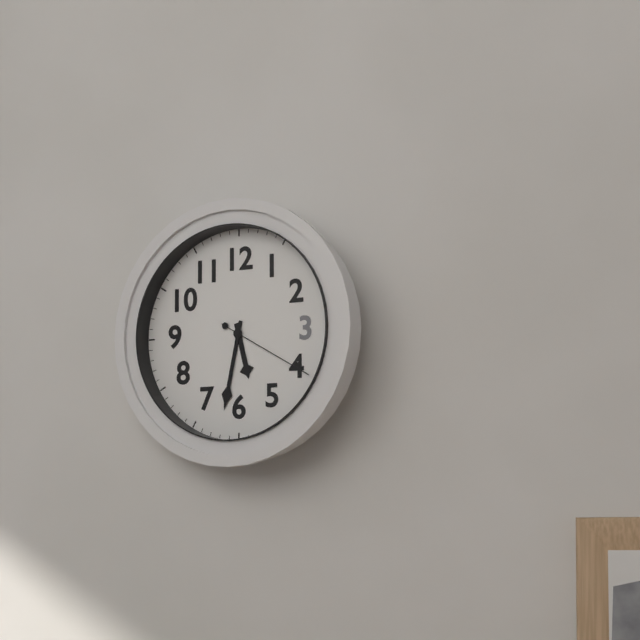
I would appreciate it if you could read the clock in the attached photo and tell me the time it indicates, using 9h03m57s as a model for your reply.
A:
5h32m20s
